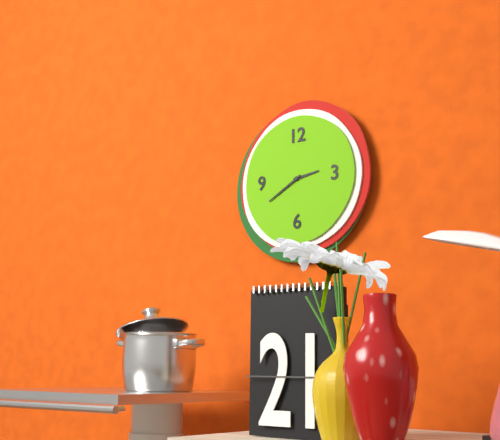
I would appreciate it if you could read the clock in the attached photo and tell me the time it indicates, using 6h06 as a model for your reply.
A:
2h40
